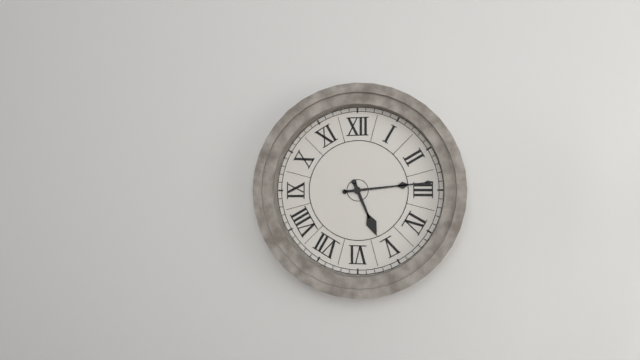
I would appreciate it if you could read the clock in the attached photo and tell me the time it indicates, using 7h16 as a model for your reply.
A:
5h14
